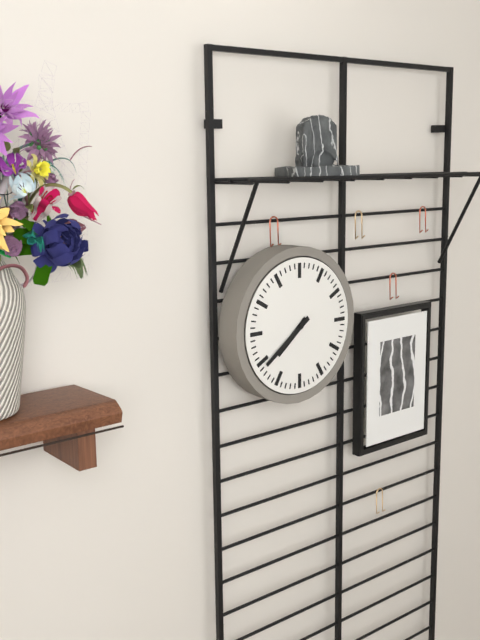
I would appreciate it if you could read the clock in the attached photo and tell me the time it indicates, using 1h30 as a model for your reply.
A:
7h39
